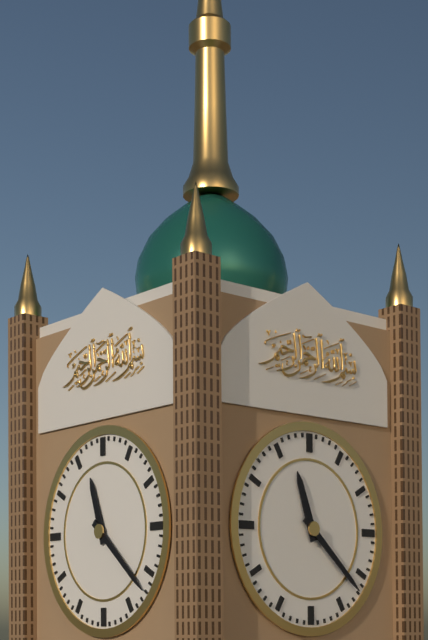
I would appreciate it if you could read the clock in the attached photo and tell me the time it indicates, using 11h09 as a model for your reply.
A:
11h22
